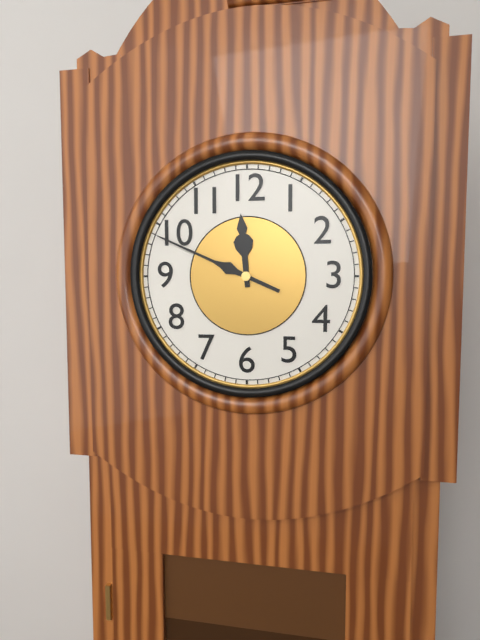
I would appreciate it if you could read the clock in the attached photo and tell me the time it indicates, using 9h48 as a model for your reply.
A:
11h49
